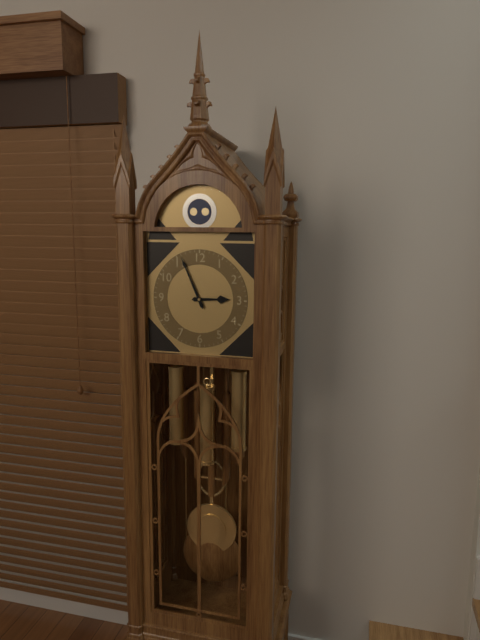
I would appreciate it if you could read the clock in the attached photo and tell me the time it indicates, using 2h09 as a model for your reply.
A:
2h56
